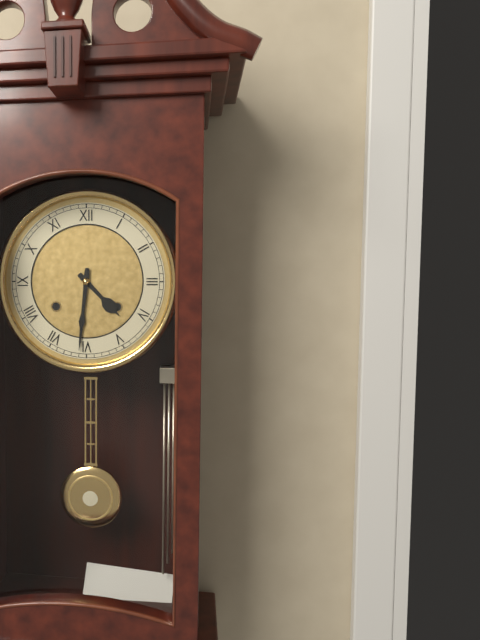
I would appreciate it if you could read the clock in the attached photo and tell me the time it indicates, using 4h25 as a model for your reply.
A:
4h31
